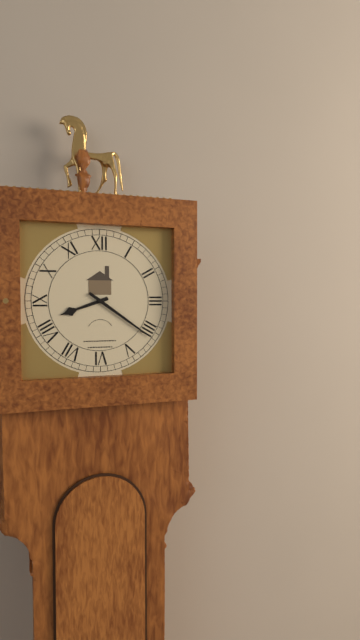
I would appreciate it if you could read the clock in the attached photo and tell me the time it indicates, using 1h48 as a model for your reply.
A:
8h21
